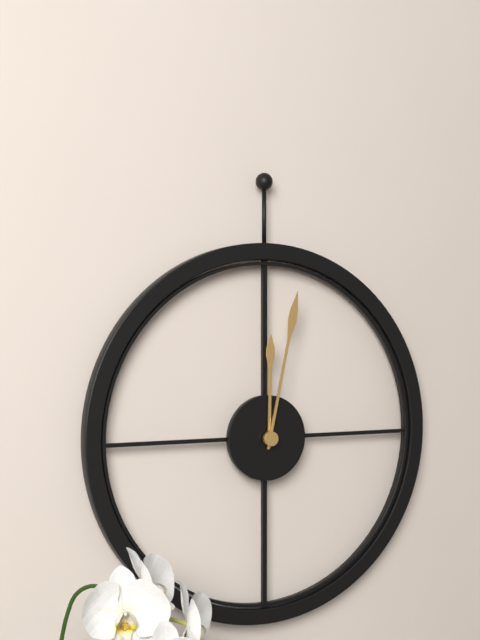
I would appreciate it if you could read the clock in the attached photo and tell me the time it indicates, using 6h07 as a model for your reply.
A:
12h02
